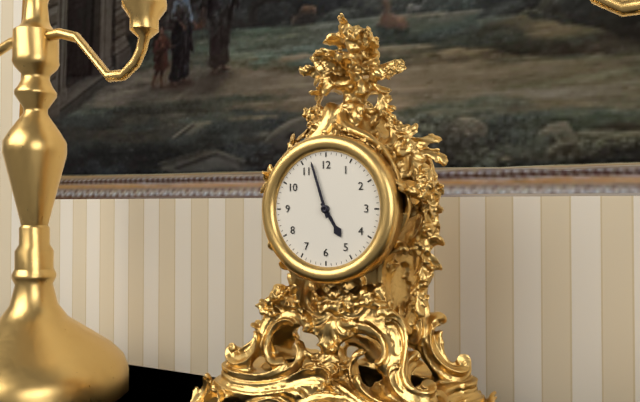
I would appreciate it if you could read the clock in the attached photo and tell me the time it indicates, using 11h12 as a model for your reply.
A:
4h57
